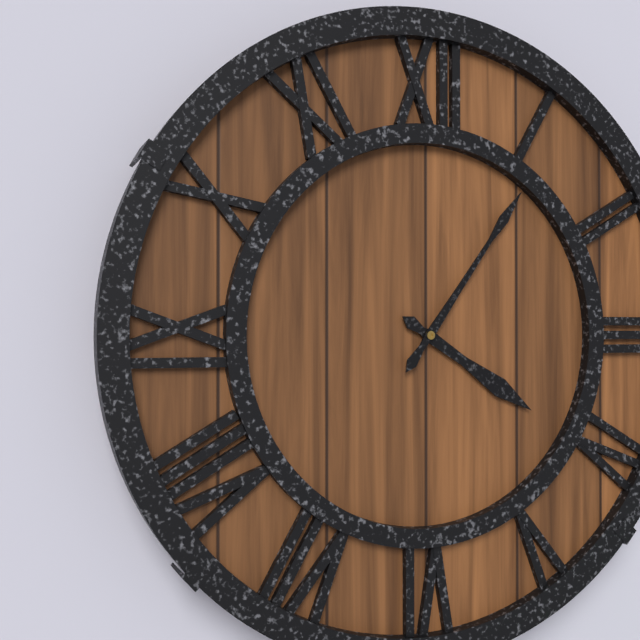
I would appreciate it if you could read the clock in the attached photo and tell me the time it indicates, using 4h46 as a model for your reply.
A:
4h06
